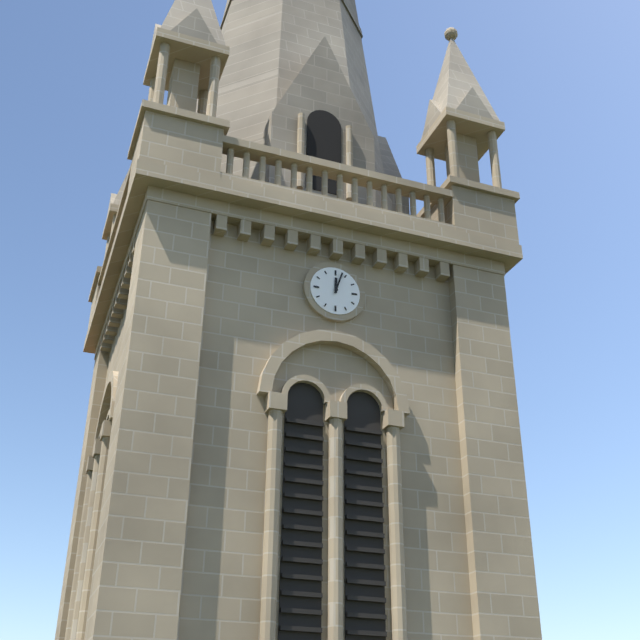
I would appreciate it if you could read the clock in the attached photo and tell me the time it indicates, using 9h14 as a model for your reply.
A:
12h03
